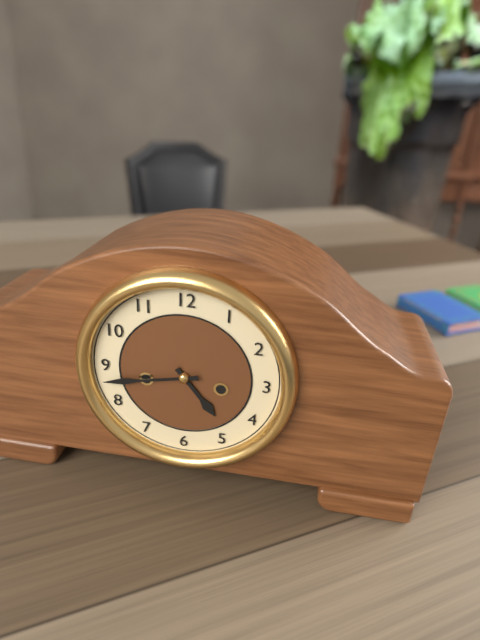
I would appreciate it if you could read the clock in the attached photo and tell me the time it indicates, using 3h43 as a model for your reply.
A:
4h43
